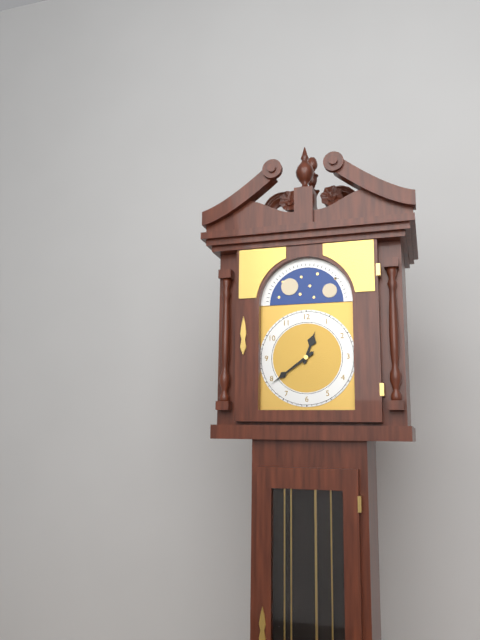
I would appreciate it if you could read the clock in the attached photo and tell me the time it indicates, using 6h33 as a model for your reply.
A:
12h39
